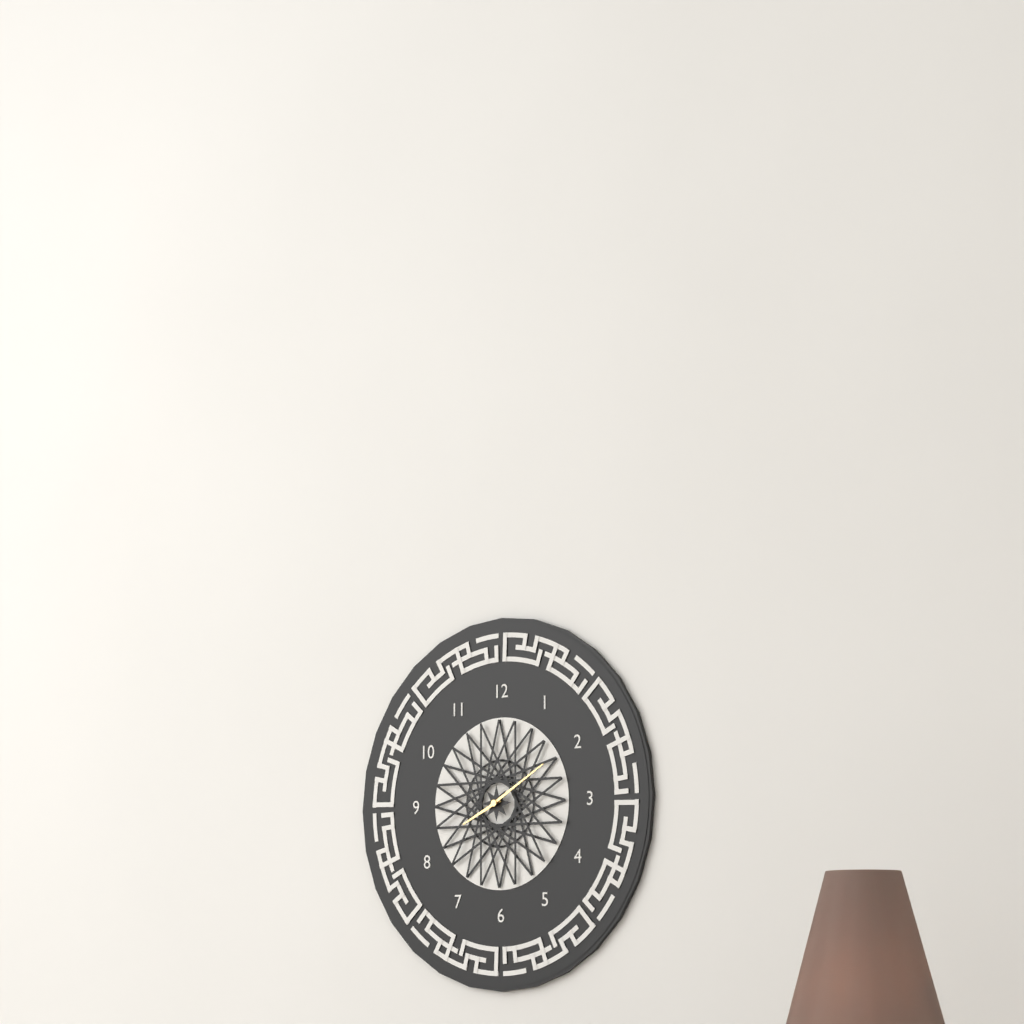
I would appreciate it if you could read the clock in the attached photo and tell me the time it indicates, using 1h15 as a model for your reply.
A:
8h10
